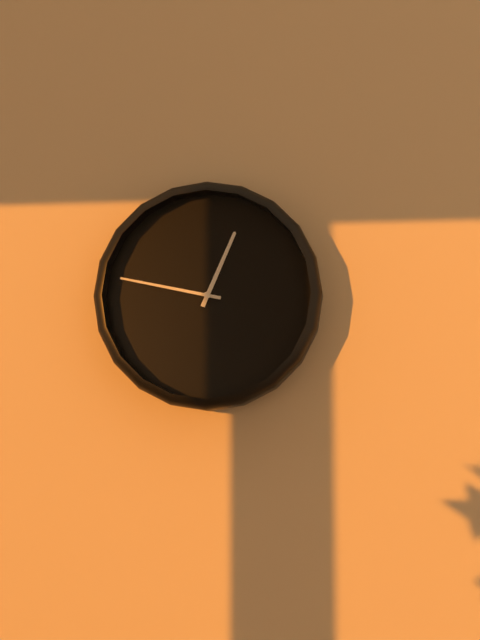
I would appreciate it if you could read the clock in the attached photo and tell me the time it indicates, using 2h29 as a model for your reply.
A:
12h47
